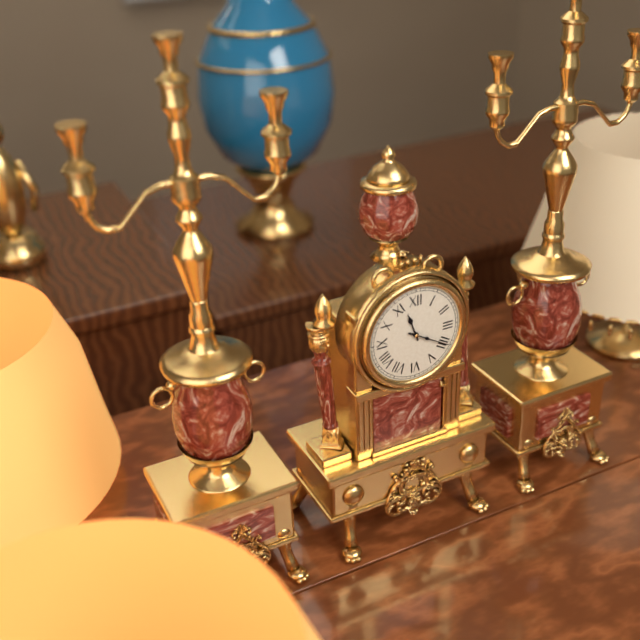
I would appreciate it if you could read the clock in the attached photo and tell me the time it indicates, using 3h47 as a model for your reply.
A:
11h20
